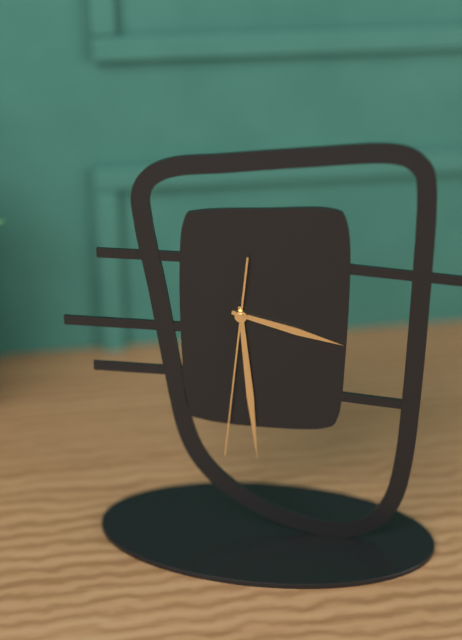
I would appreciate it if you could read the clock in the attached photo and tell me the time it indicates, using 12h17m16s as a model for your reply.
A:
3h29m31s
